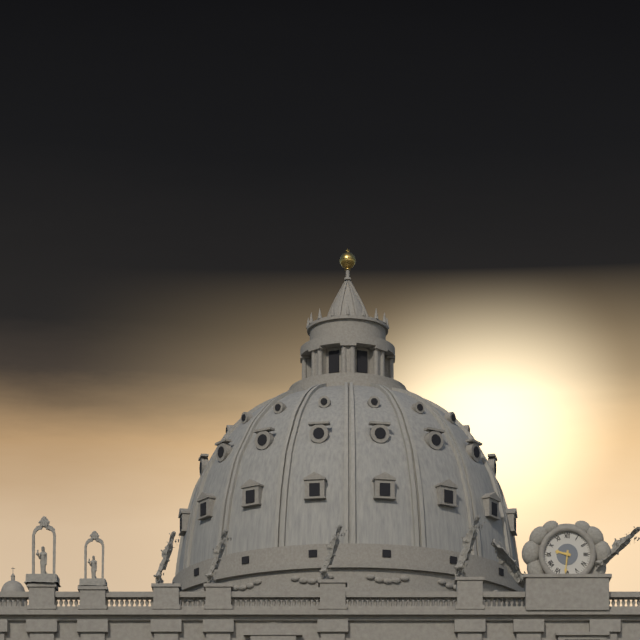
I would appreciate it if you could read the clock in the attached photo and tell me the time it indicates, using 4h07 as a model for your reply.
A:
9h31
